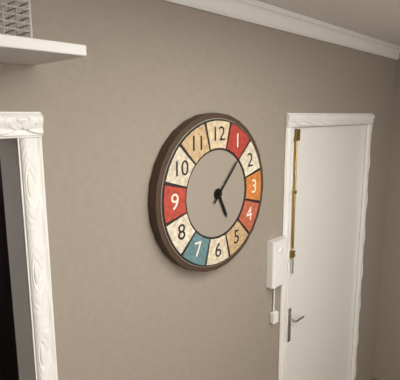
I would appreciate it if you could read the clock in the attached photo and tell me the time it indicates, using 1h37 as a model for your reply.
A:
5h07
